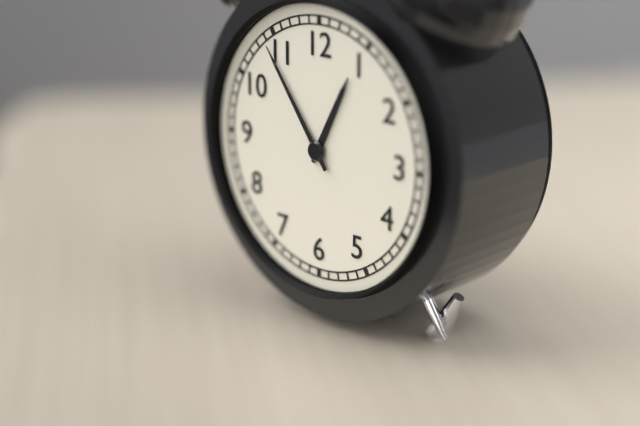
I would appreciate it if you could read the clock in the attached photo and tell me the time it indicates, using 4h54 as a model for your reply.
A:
12h54
